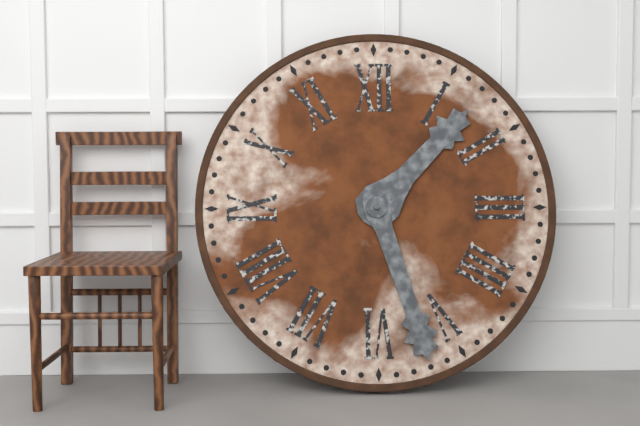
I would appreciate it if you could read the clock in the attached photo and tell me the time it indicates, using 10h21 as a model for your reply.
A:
1h27
